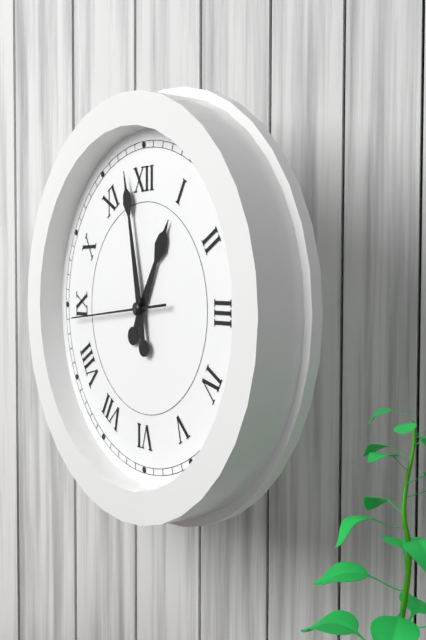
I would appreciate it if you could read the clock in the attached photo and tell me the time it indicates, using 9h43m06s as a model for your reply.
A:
12h58m44s
